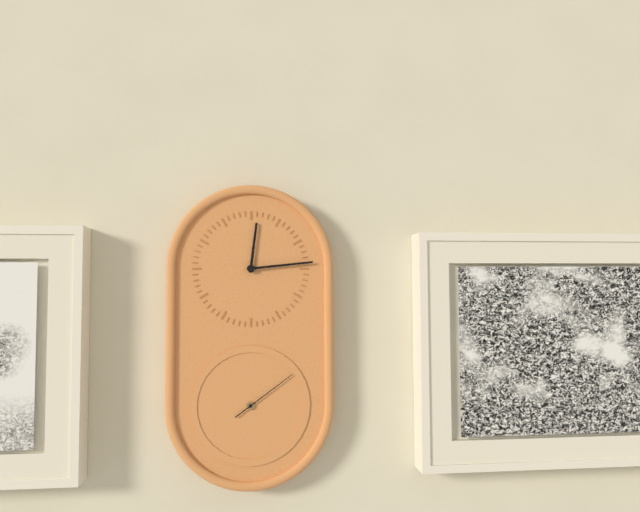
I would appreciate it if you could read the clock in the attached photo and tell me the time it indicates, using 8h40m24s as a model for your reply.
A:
12h14m09s
